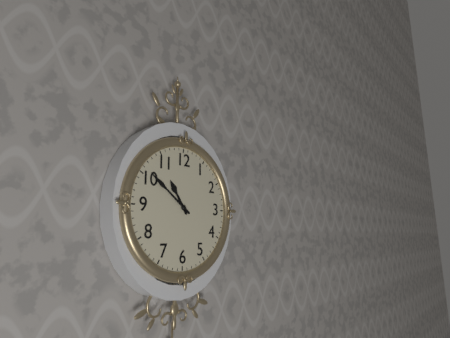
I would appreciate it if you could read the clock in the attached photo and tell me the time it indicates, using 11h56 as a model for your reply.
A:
10h51
